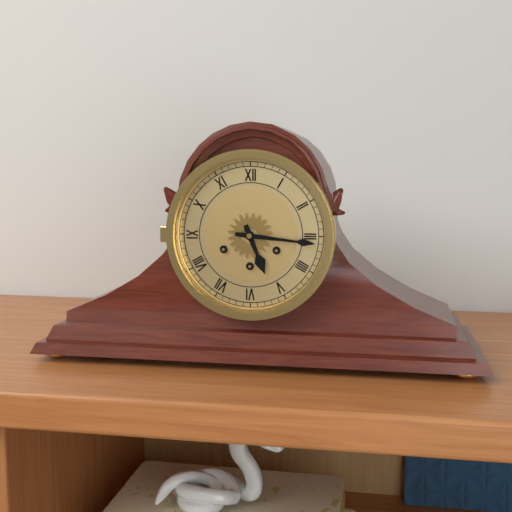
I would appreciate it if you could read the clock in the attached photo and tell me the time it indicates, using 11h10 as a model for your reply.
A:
5h16
